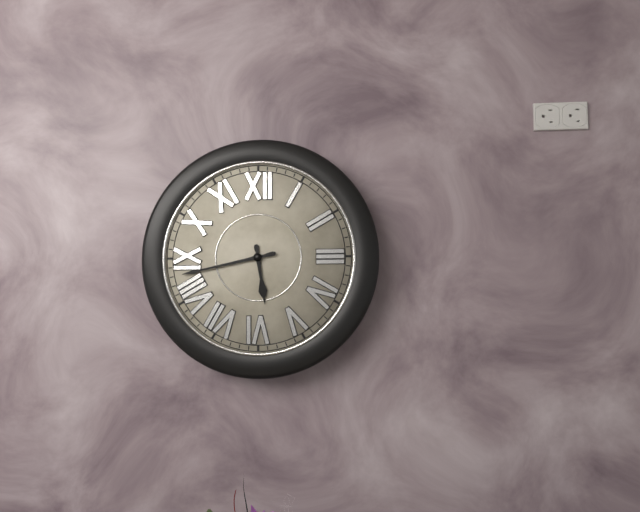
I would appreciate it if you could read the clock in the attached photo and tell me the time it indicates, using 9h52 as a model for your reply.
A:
5h43
